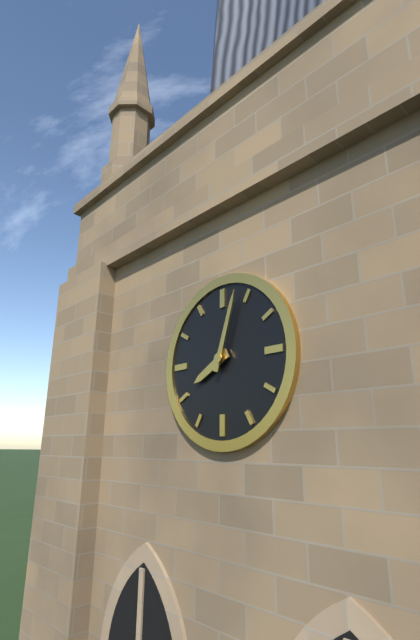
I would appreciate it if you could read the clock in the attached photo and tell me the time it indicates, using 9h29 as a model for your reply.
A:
8h03
